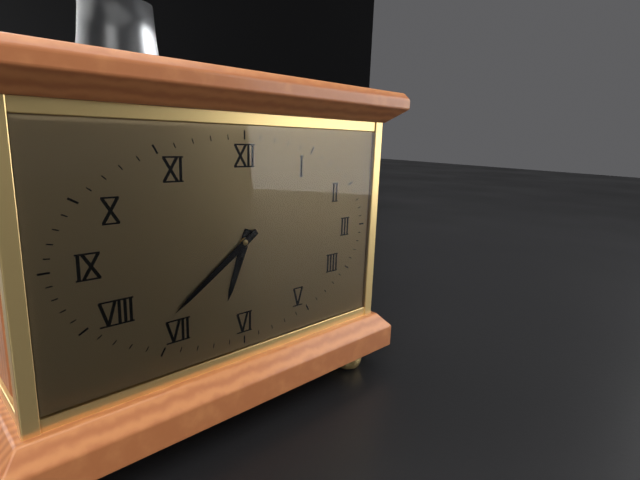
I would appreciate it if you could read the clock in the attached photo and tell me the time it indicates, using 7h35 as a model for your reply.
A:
6h39
